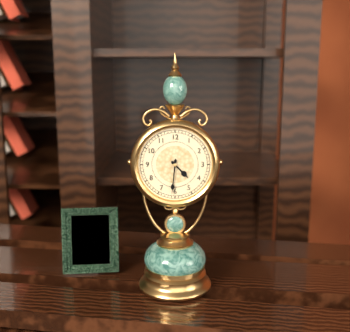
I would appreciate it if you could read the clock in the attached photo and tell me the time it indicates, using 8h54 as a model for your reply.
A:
4h31
